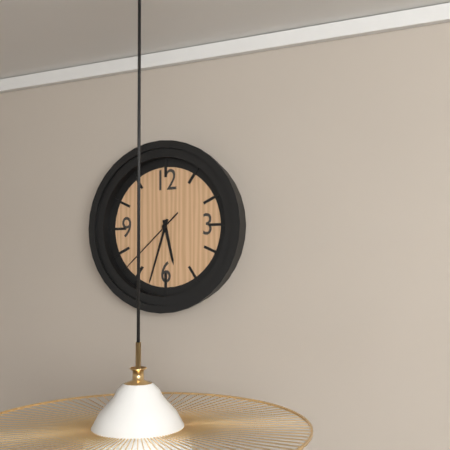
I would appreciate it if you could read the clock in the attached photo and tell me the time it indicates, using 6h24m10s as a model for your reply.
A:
5h33m38s
